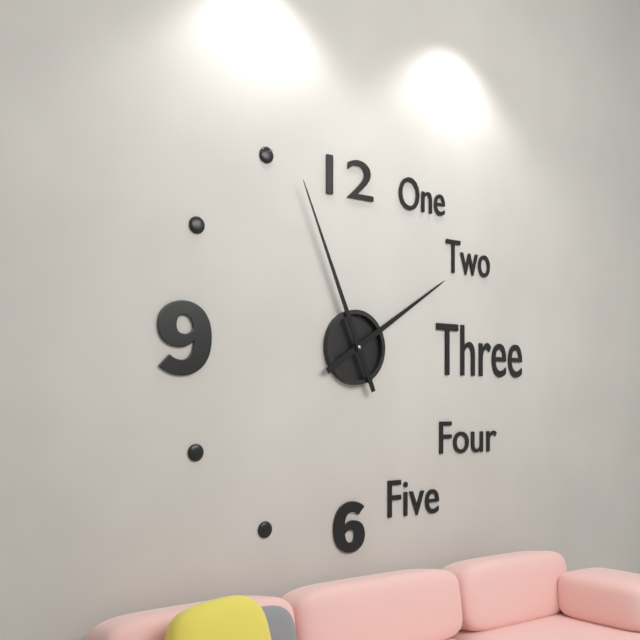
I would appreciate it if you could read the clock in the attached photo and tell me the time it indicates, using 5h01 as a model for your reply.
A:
1h56
